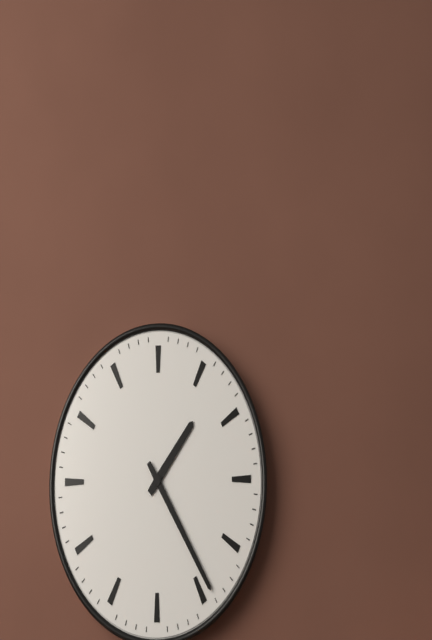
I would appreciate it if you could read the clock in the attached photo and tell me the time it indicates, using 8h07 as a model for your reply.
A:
1h24
